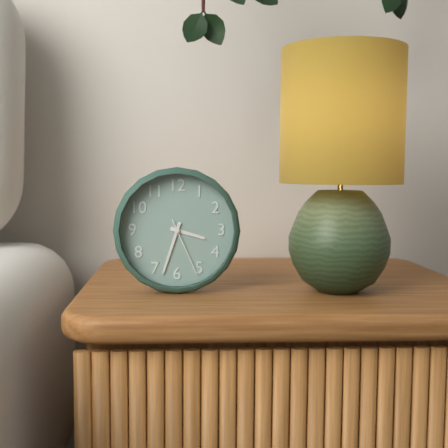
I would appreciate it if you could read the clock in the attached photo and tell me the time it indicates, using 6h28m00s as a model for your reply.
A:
3h33m26s
